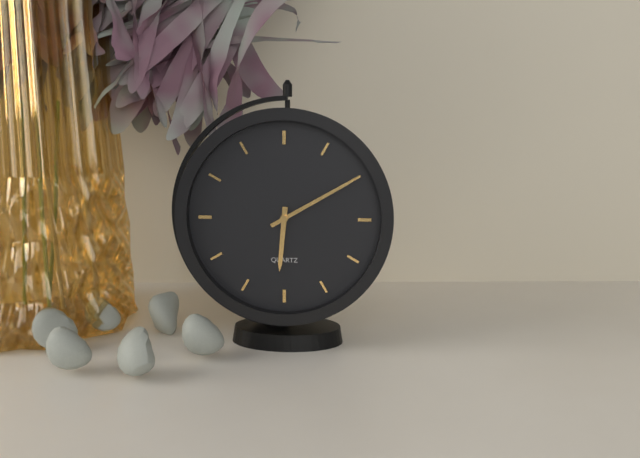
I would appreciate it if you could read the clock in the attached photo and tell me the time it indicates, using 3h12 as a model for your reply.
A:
6h10
